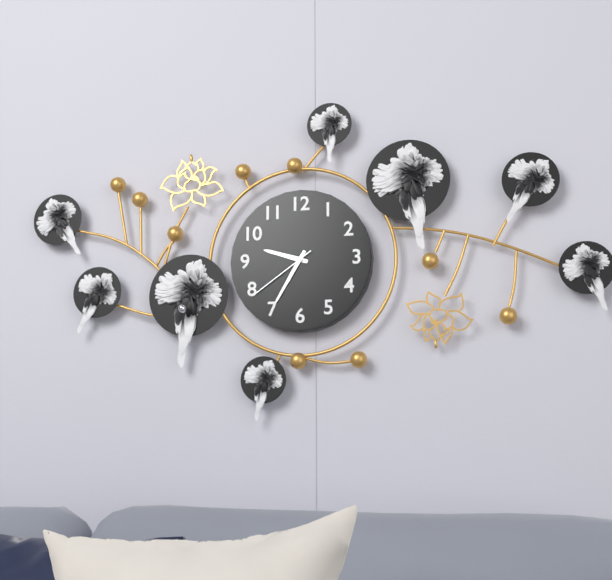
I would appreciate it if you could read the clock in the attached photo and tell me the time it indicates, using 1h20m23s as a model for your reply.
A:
9h35m39s
